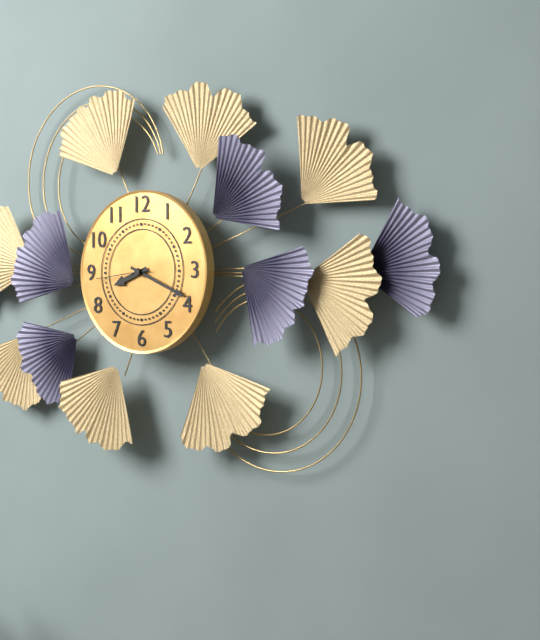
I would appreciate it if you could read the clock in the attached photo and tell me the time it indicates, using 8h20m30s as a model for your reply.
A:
8h19m44s
